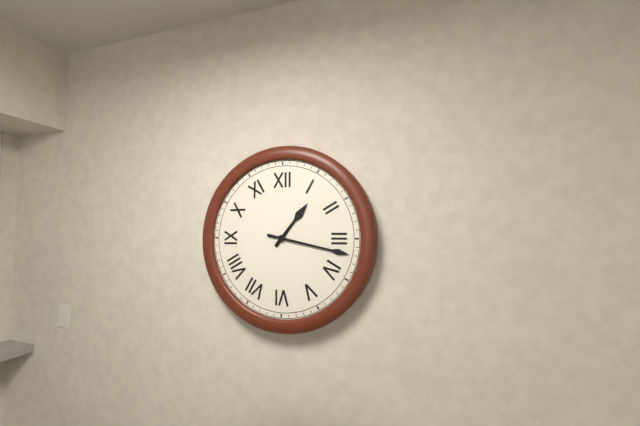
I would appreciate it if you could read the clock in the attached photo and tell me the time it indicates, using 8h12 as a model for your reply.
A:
1h17
